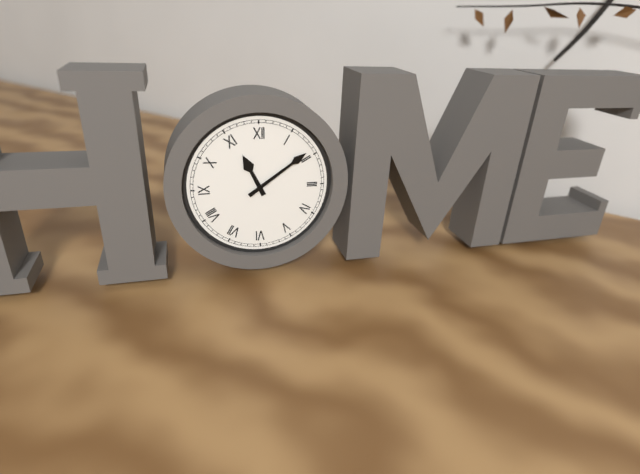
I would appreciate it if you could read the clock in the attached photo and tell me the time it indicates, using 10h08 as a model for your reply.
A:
11h09
